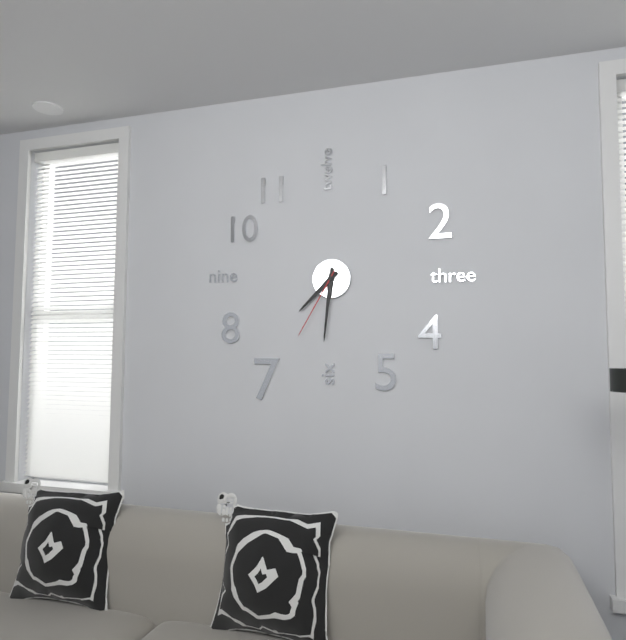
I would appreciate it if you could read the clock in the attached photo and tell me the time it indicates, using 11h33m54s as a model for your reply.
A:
7h31m35s
